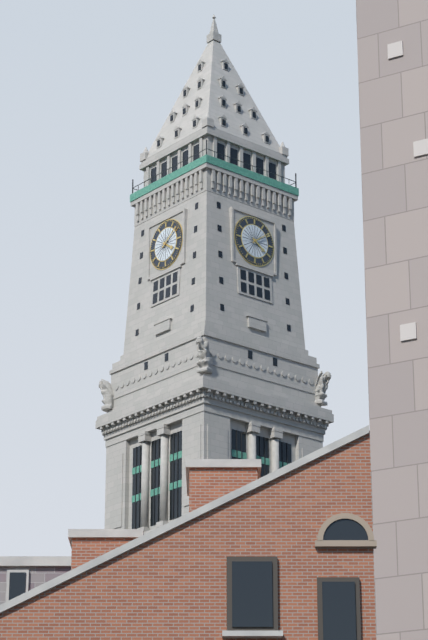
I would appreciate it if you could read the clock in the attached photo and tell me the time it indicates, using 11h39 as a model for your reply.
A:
4h09
